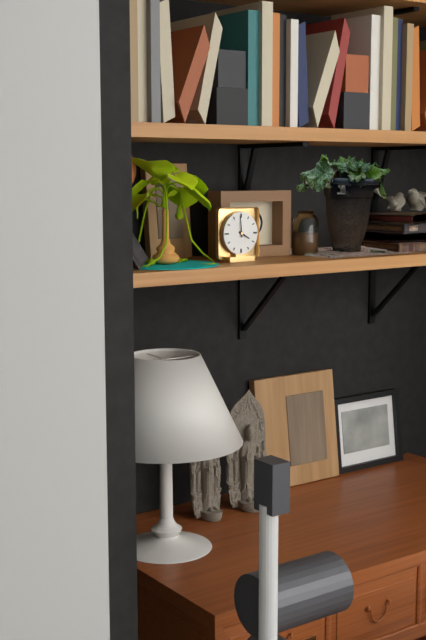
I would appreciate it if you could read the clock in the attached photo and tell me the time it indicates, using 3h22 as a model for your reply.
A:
3h59
